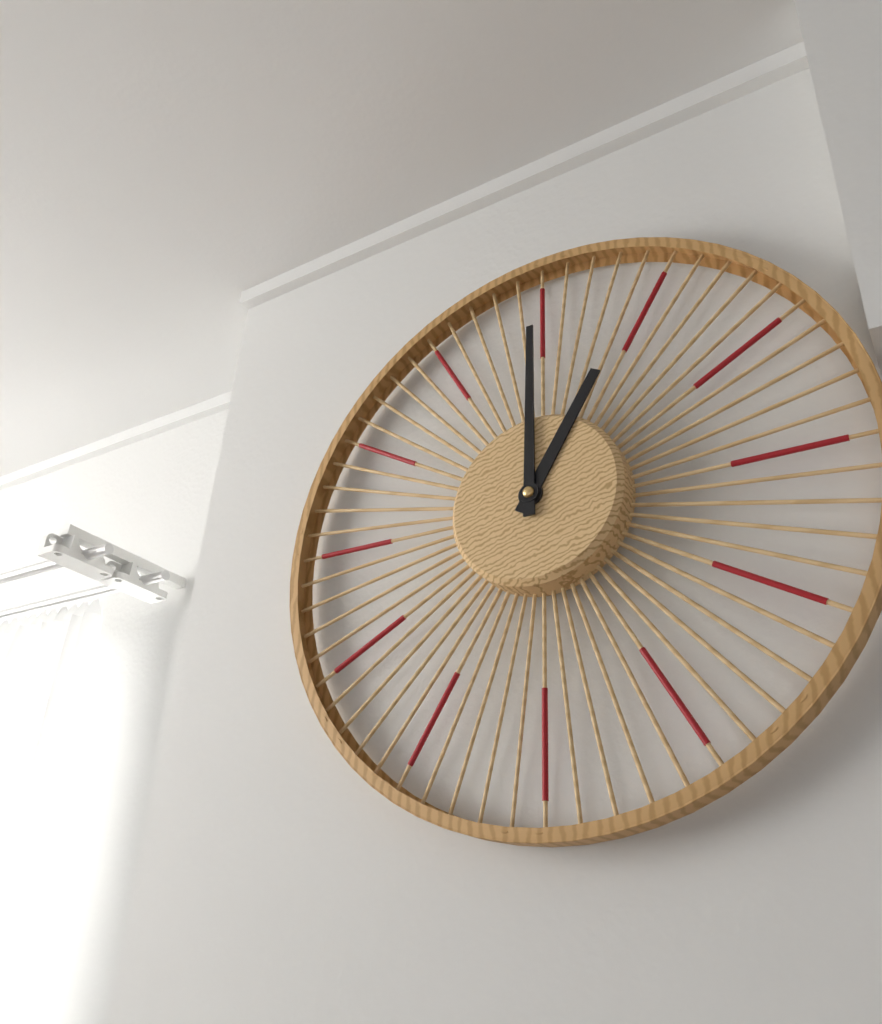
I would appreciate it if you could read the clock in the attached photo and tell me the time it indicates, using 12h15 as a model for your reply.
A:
1h00
